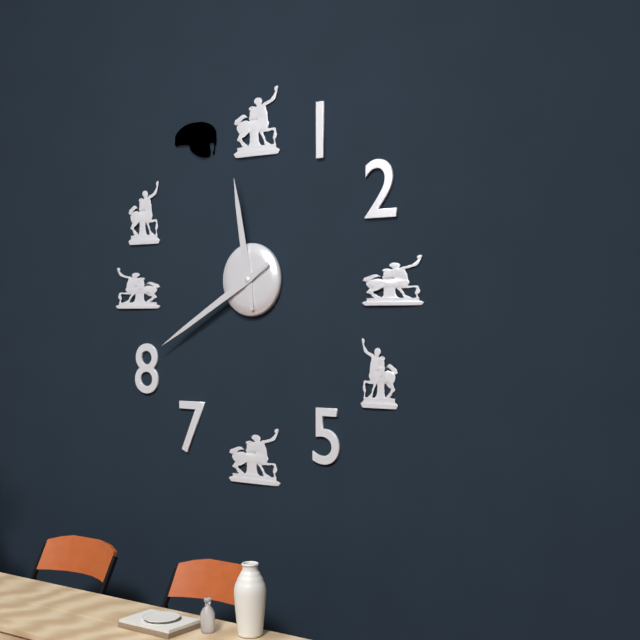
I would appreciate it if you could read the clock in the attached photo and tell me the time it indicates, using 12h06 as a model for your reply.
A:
11h40
